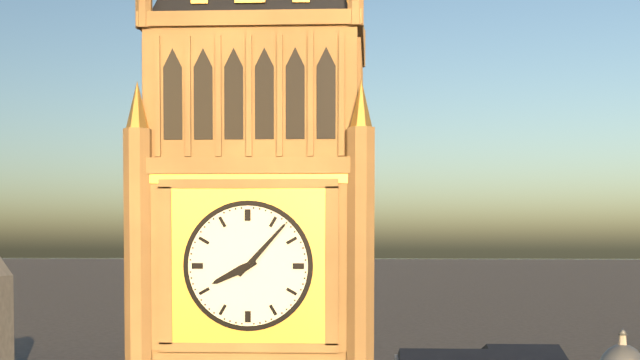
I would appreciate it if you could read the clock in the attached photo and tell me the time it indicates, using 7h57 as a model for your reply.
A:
8h07
